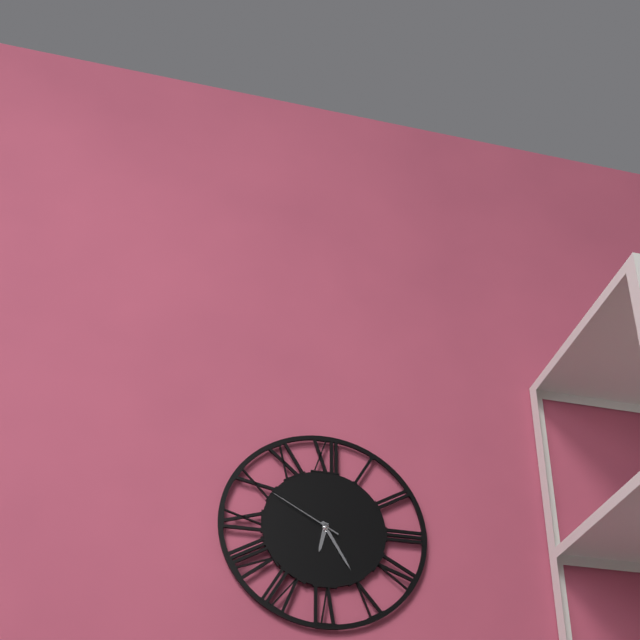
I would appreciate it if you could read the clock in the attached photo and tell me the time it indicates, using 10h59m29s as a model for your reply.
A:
6h25m50s
